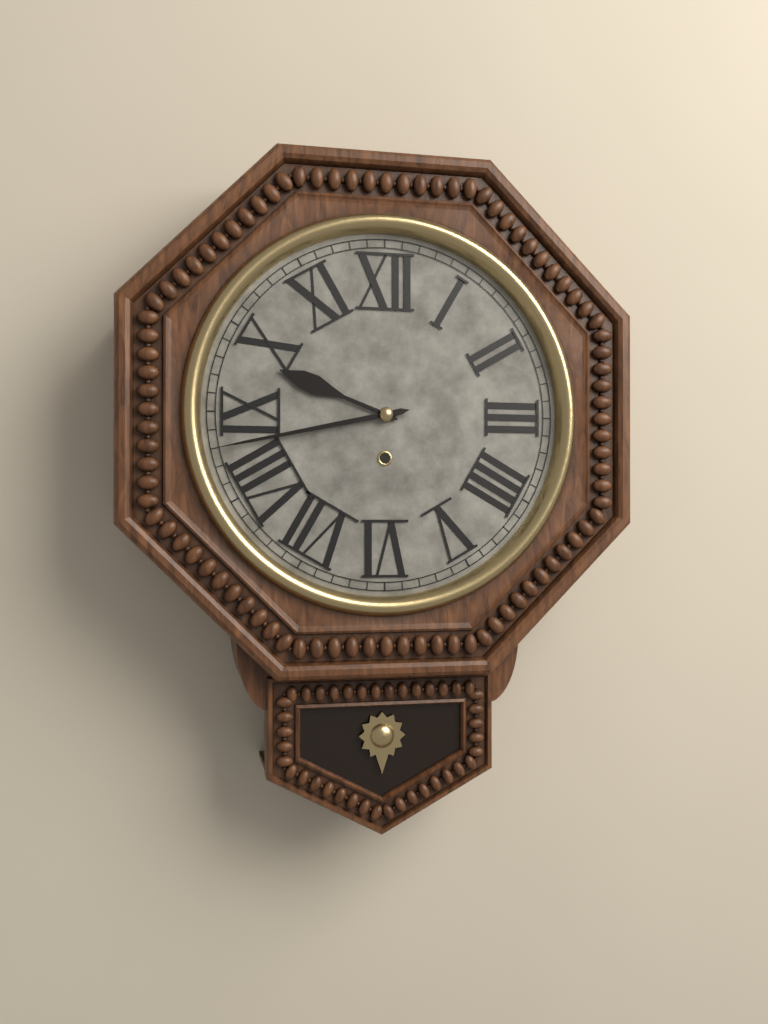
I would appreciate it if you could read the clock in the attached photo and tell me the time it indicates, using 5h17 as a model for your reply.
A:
9h43
